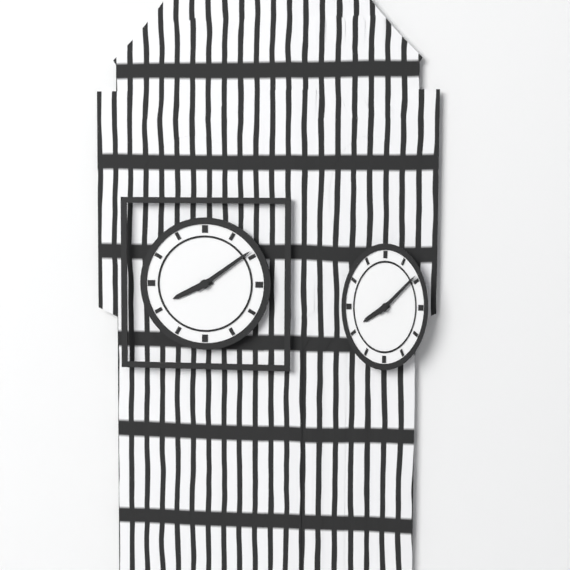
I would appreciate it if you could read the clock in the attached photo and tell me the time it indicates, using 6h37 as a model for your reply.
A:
8h09
